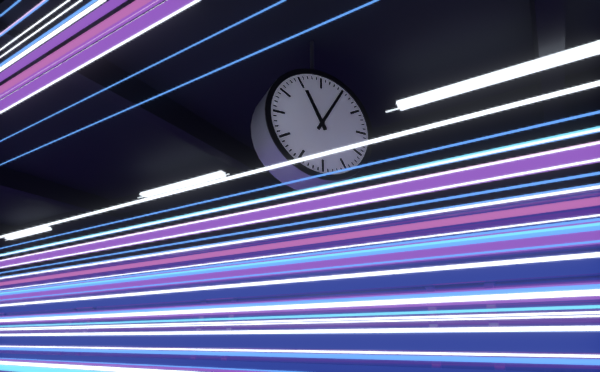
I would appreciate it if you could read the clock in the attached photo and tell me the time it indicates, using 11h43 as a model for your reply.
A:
11h05
